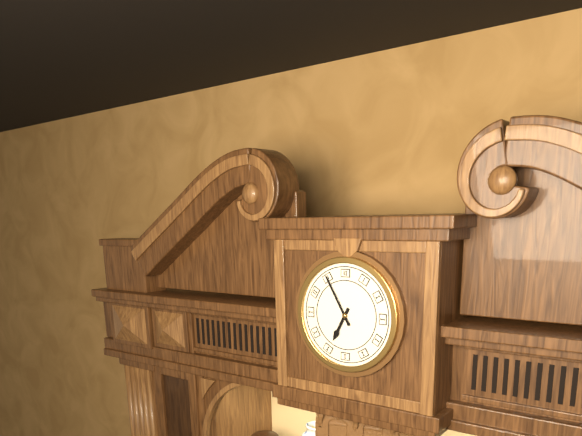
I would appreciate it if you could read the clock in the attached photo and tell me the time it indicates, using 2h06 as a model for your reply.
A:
6h55
